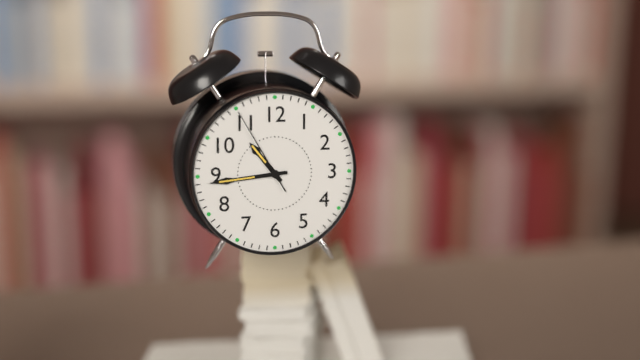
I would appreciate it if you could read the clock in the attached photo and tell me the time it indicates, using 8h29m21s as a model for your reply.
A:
10h44m55s
